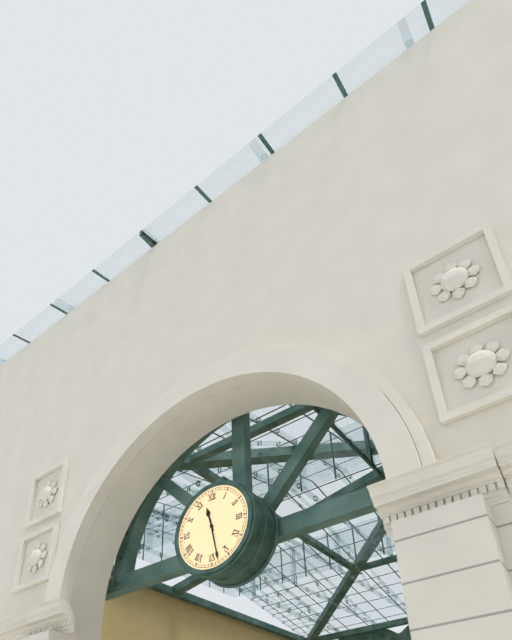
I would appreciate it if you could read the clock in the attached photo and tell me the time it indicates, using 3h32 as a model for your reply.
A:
11h28
